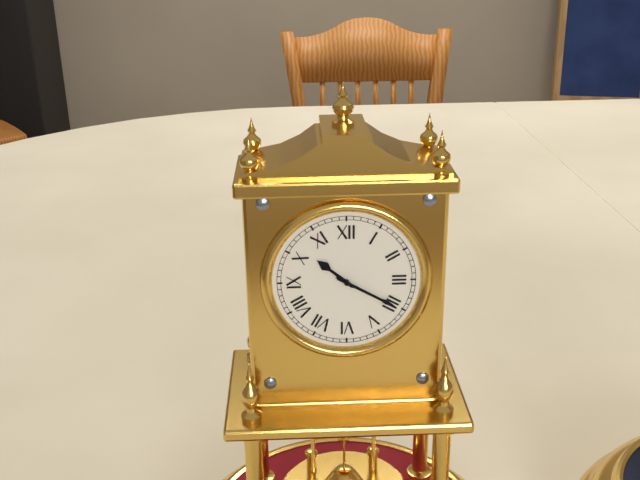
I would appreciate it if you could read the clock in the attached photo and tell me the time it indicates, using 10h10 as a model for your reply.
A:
10h20
